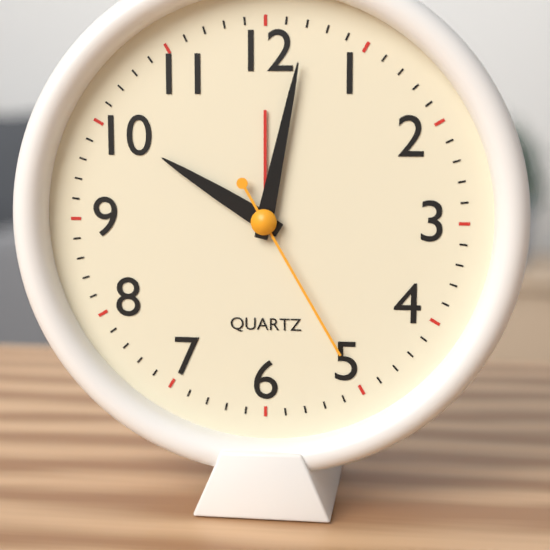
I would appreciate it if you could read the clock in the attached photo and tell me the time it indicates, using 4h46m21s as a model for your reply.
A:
10h02m25s
